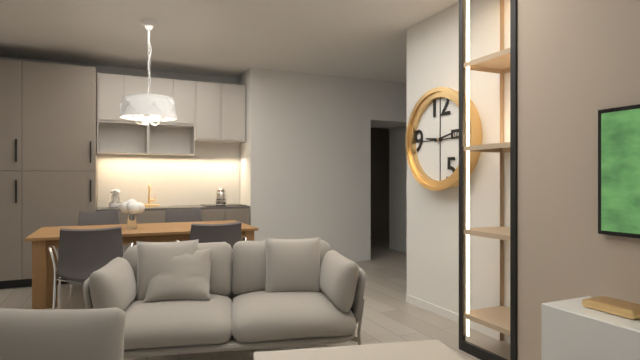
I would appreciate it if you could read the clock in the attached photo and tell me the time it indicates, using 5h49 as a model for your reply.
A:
9h13
